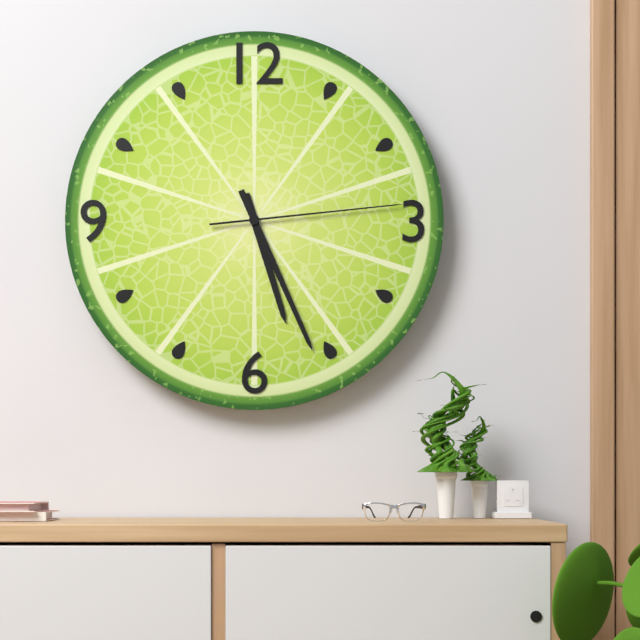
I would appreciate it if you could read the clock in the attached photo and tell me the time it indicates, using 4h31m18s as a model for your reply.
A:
5h26m14s
